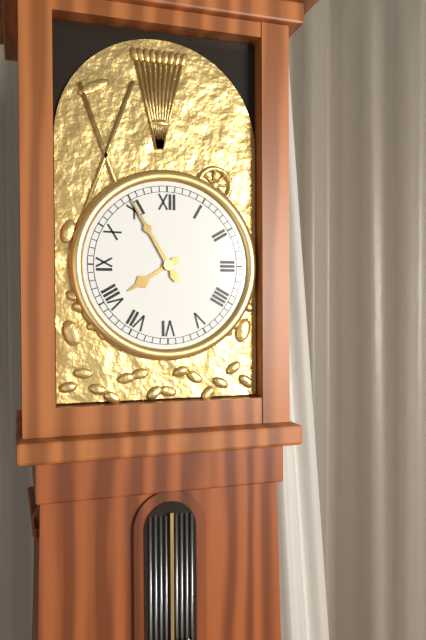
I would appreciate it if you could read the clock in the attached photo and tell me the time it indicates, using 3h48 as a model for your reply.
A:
7h55
